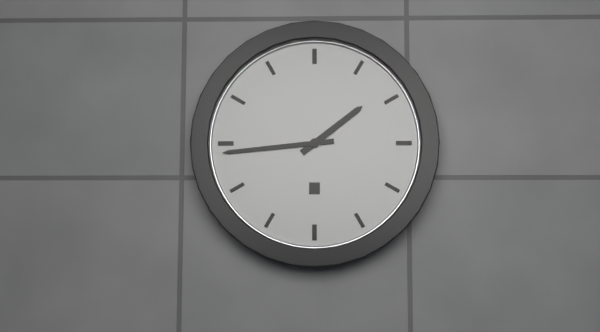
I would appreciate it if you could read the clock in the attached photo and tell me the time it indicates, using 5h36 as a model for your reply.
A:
1h44
